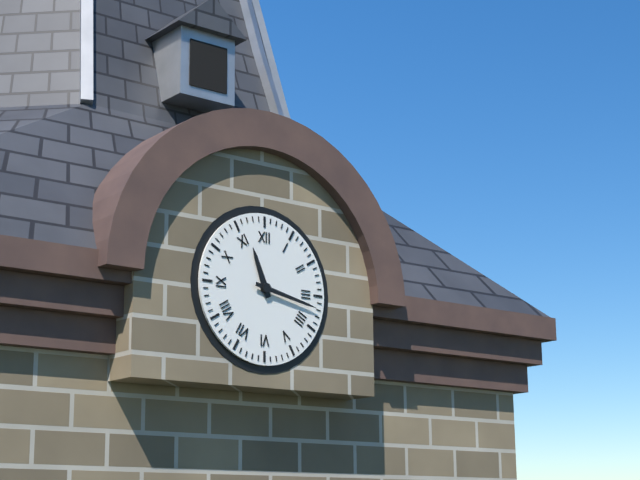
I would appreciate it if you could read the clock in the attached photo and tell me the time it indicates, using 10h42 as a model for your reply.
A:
11h17
